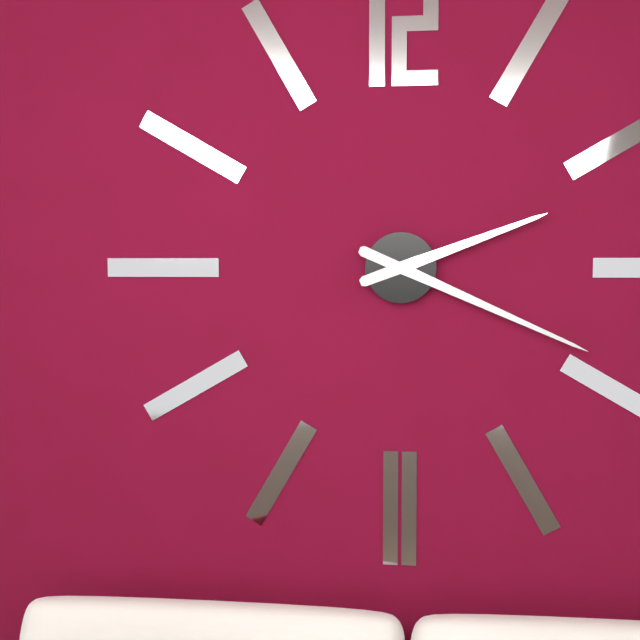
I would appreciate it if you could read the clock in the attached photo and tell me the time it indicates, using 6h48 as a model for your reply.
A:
2h19
